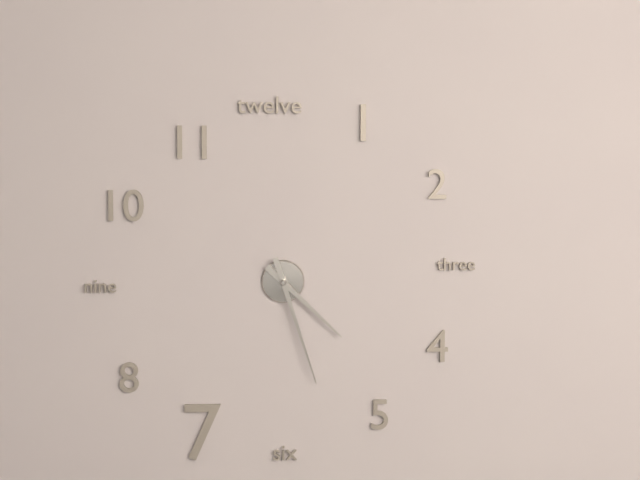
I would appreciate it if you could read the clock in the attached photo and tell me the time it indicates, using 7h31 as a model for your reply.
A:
4h27
